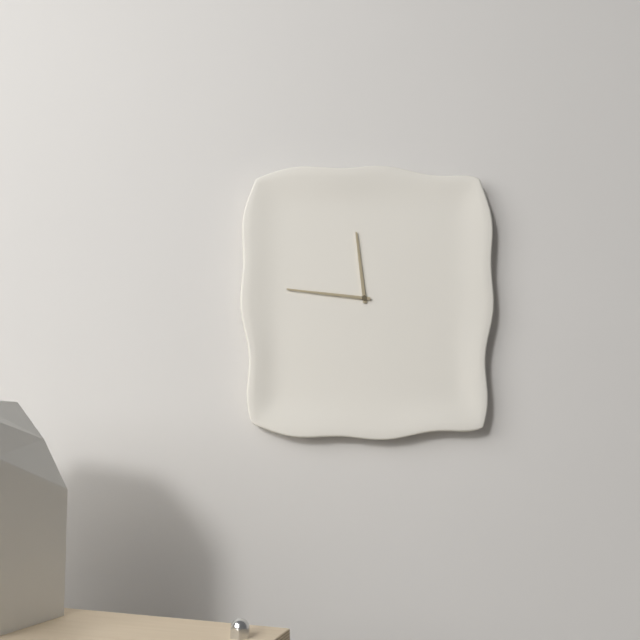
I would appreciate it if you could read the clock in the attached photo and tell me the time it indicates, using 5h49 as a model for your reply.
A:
11h46
